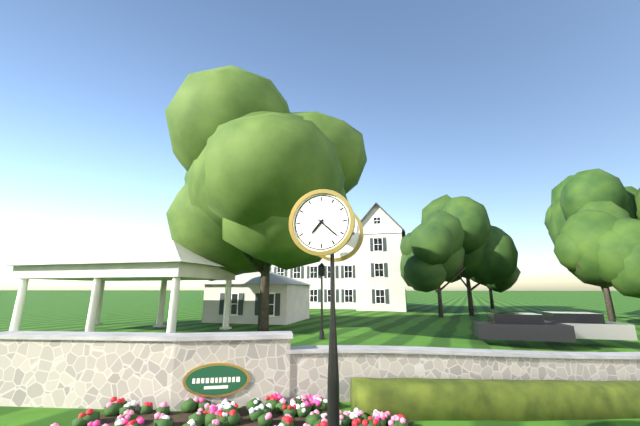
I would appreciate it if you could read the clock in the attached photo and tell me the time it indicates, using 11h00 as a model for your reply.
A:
7h22
